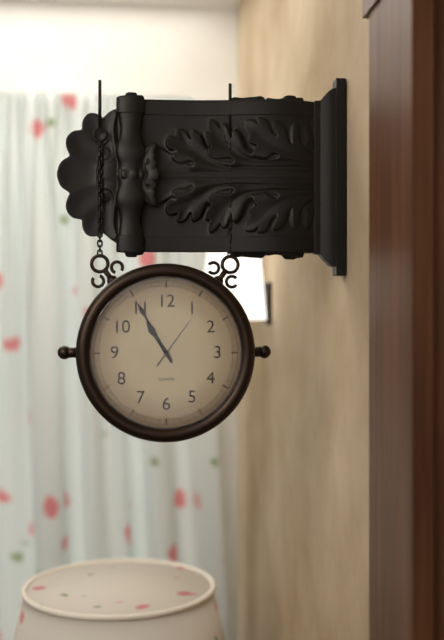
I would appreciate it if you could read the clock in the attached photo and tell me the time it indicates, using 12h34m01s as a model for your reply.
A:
10h55m06s
